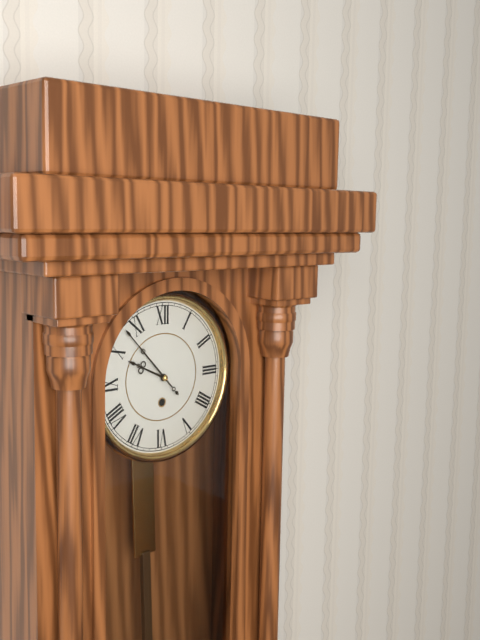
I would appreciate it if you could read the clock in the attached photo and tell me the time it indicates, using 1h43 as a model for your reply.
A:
9h53
